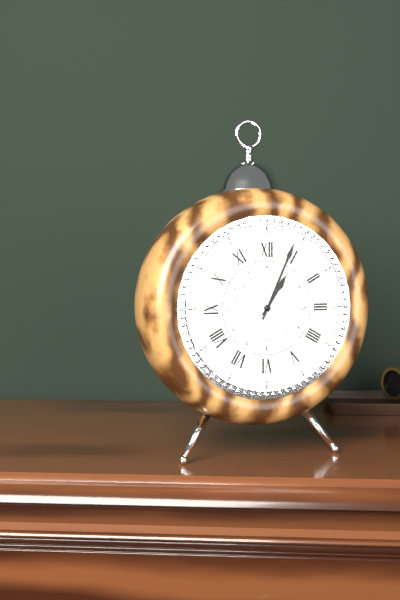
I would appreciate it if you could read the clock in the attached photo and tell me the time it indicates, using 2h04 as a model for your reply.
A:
1h04
